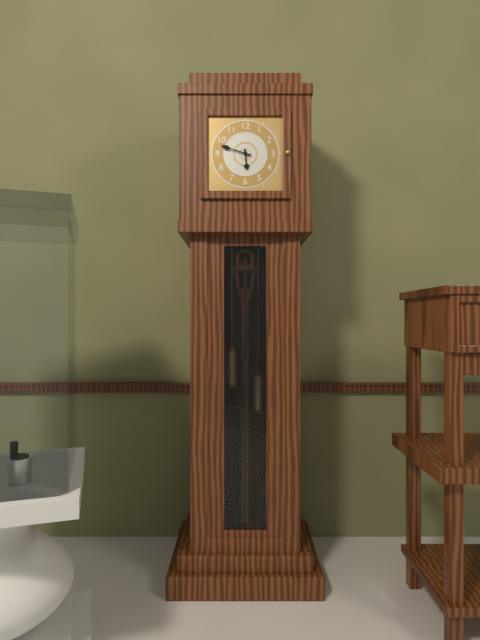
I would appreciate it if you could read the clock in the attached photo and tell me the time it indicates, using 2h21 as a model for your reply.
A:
5h48
